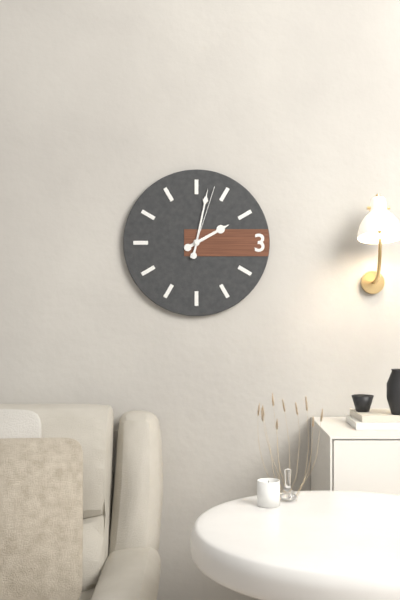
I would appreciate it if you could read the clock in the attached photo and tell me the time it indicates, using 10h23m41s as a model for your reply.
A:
2h02m03s
